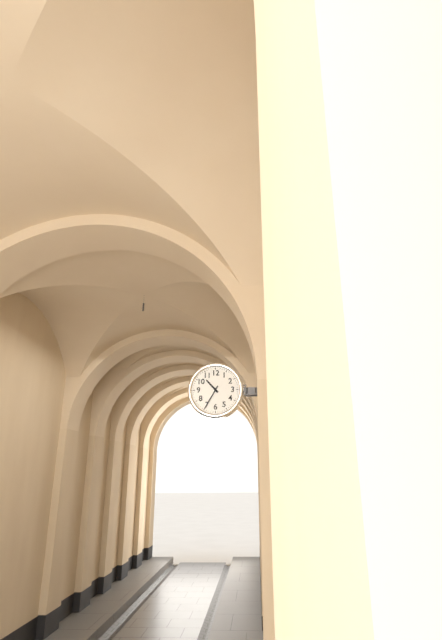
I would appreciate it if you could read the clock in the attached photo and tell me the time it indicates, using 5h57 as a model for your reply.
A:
10h35
